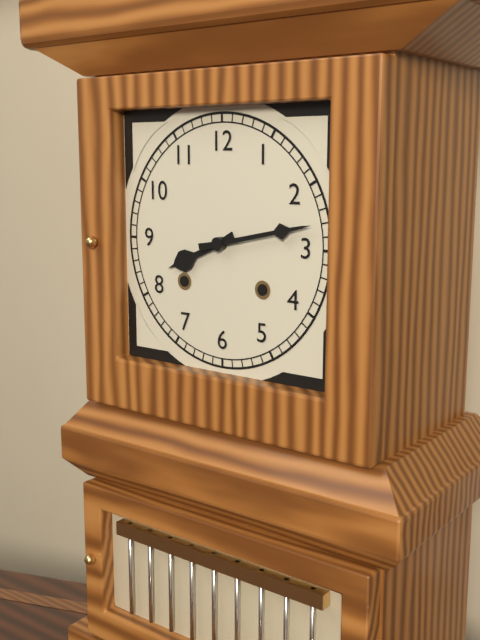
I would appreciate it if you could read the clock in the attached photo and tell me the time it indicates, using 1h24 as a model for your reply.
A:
8h13
